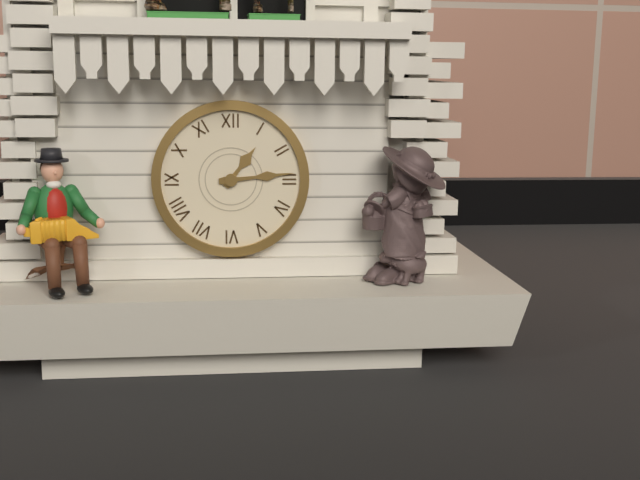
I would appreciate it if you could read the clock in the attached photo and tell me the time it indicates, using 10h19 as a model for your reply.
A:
1h14
